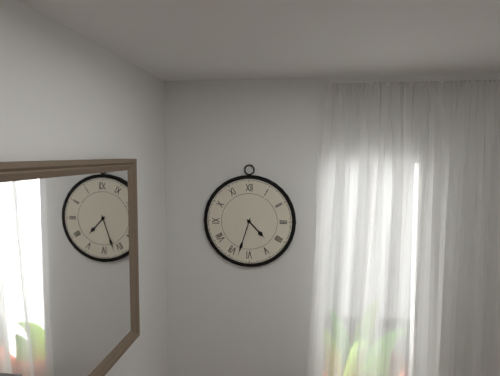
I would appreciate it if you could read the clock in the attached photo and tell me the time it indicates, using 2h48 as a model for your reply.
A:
4h33
